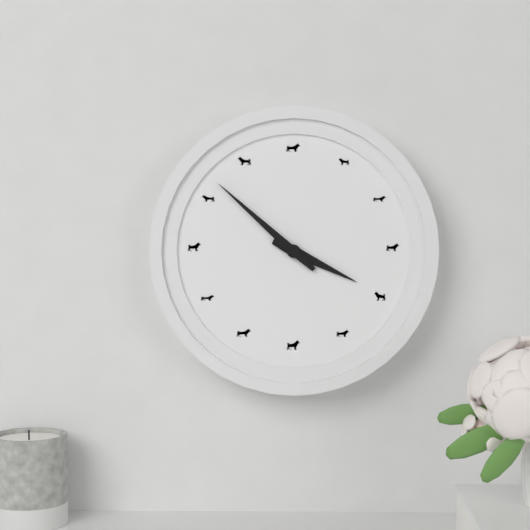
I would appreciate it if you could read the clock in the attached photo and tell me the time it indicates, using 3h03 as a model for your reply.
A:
3h52
